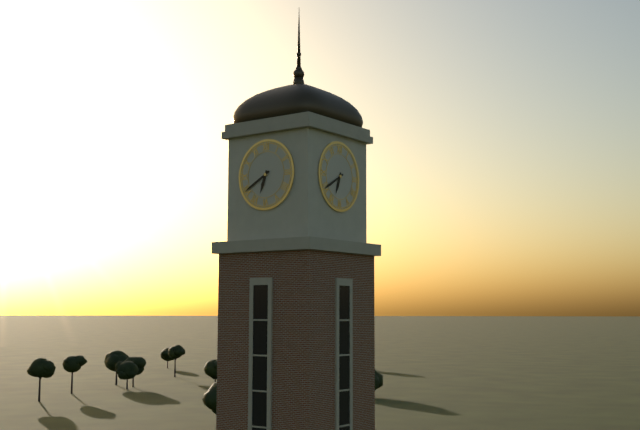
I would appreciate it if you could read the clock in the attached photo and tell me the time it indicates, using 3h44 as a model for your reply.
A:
6h40
